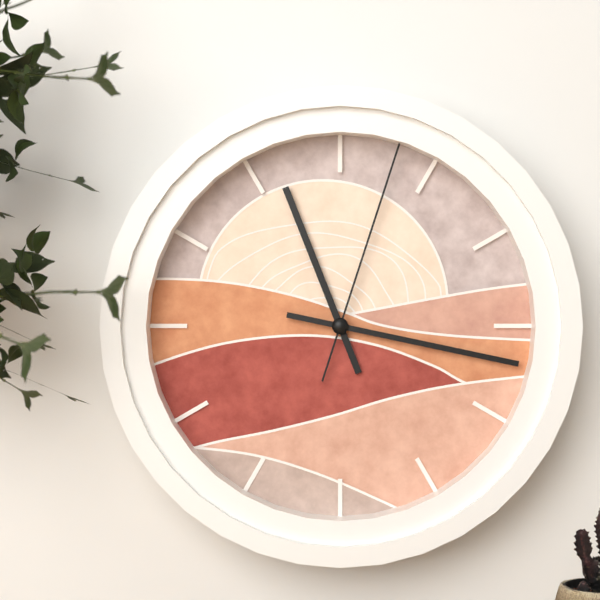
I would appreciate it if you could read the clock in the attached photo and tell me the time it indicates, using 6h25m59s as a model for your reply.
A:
11h17m03s
